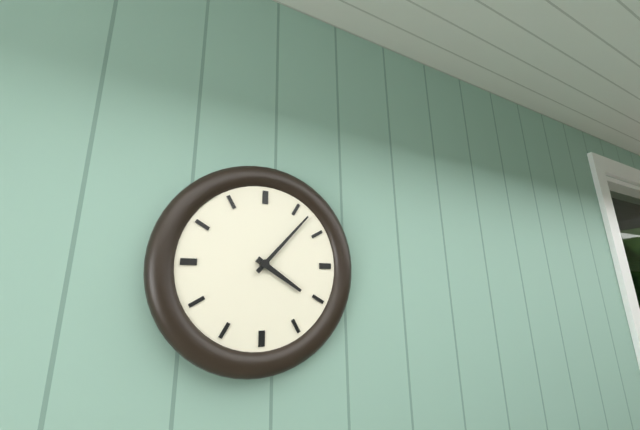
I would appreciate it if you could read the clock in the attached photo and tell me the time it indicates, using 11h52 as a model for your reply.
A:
4h07
